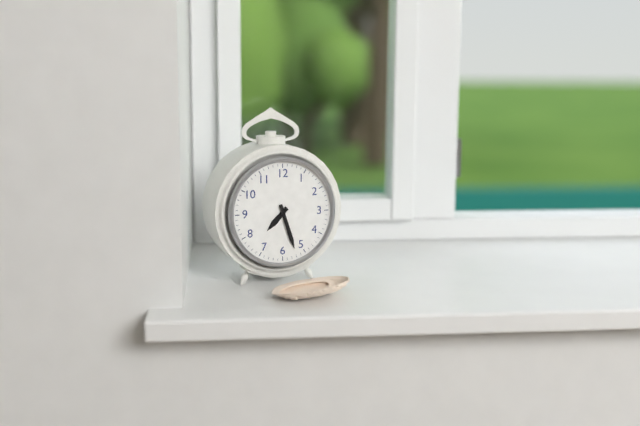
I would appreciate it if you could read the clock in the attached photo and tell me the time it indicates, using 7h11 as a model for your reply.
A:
7h27
